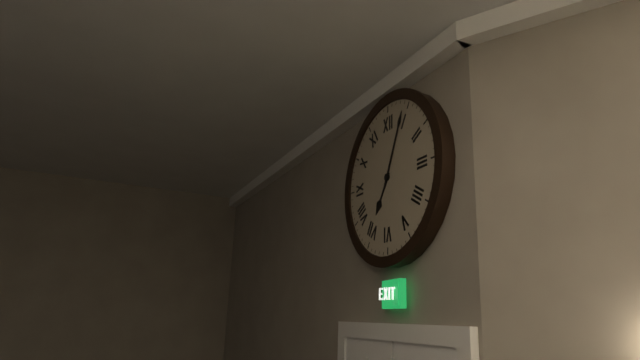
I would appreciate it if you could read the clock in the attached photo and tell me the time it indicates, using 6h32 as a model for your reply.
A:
7h04
